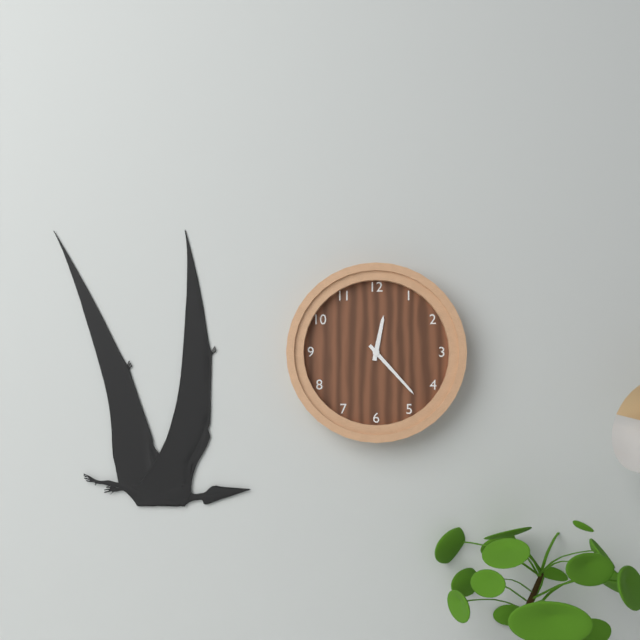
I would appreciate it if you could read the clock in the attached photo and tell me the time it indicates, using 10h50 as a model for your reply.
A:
12h23
